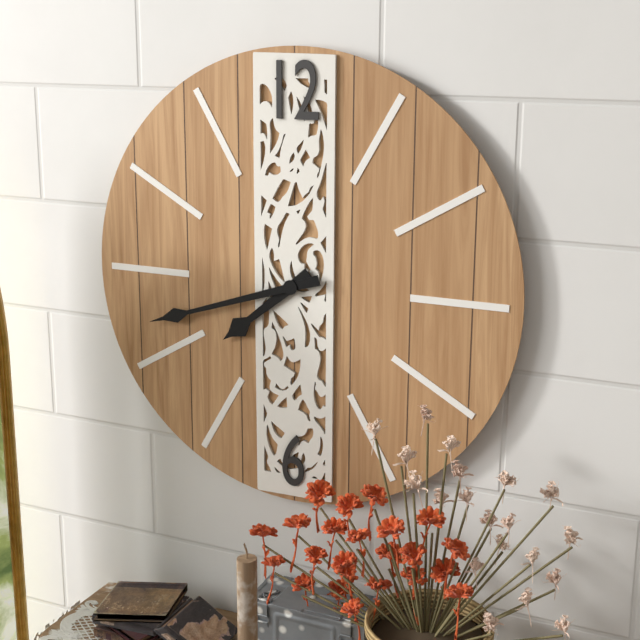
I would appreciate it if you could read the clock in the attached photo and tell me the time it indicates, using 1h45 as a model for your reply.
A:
7h42
